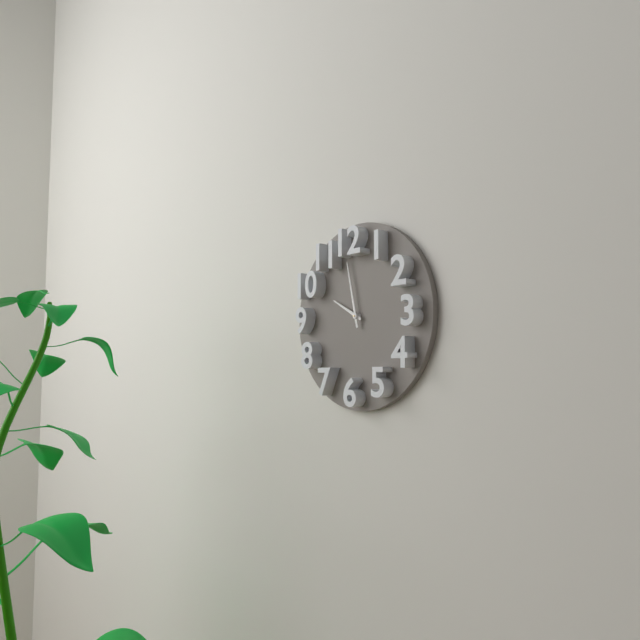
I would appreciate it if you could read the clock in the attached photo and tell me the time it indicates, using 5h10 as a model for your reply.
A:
9h58
